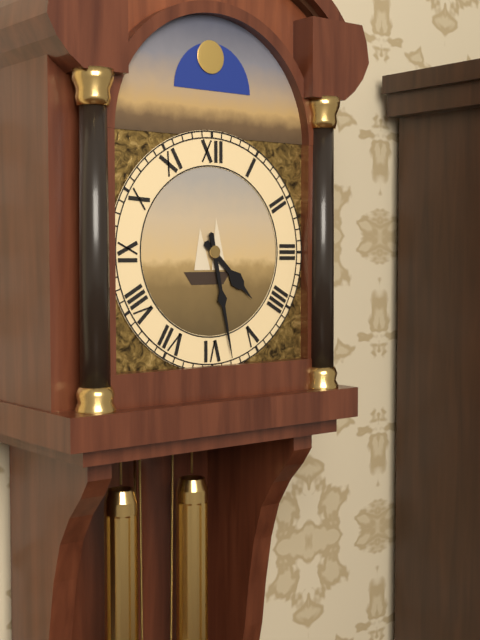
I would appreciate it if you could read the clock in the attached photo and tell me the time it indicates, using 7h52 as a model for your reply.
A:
4h28
